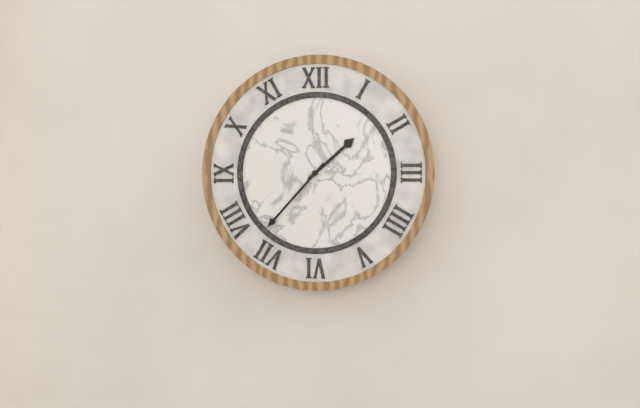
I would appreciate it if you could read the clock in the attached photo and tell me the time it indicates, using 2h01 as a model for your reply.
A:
1h37
